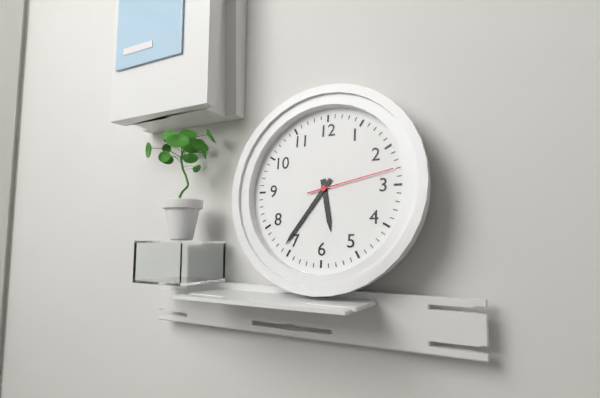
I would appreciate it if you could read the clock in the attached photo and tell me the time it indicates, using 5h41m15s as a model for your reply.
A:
5h36m13s
